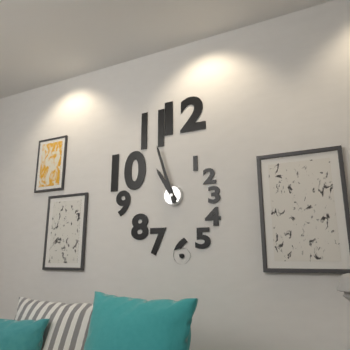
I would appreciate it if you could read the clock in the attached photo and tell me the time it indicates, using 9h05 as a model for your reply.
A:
10h57
